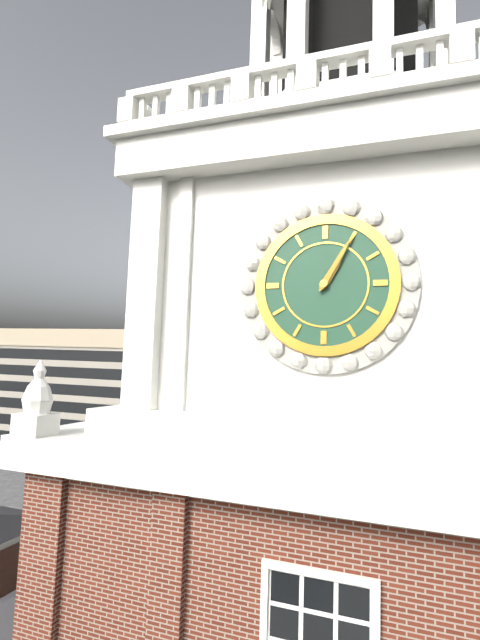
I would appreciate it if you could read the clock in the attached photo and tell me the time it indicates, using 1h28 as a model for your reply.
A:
1h05
